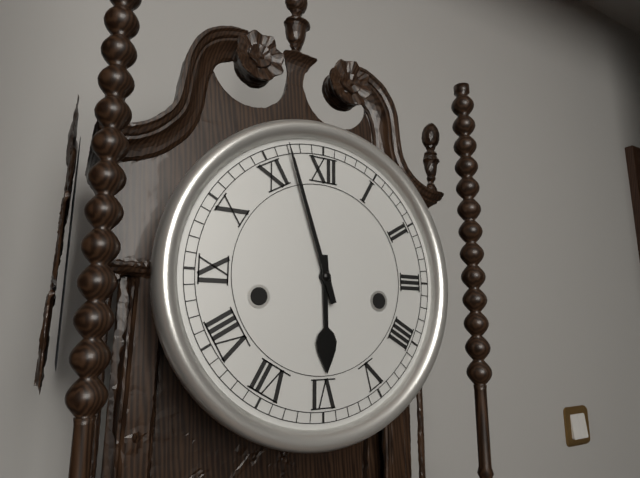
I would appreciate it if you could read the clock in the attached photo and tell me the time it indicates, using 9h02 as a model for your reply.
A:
5h57
